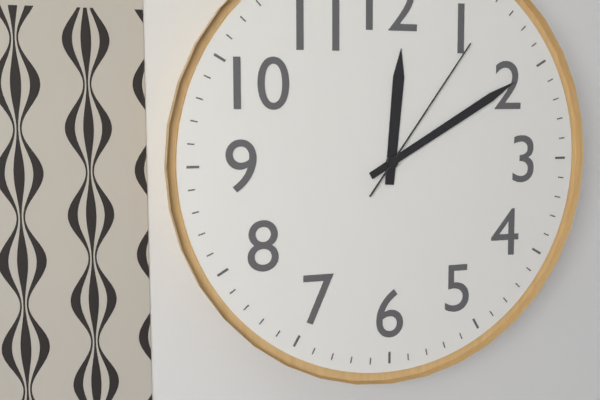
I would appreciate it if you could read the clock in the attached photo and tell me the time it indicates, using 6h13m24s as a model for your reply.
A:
12h10m06s
